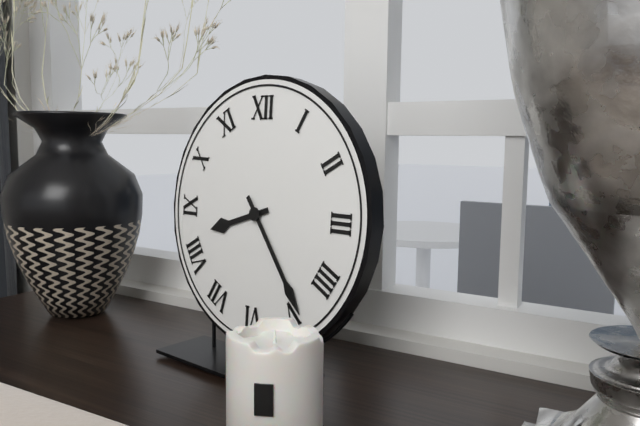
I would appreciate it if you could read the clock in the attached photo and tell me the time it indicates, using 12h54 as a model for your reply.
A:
8h24
